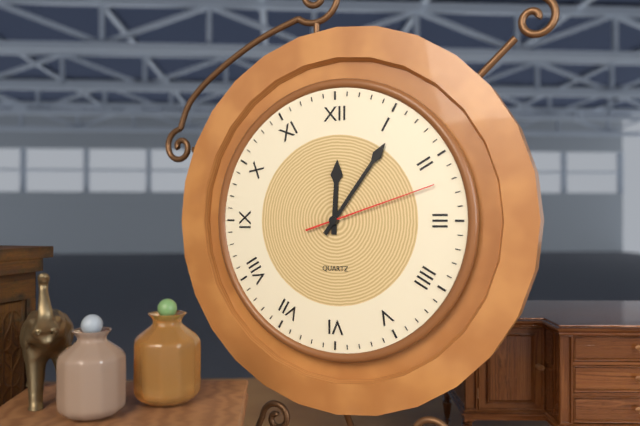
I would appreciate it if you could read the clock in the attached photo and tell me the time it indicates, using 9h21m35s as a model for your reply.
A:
12h06m12s
